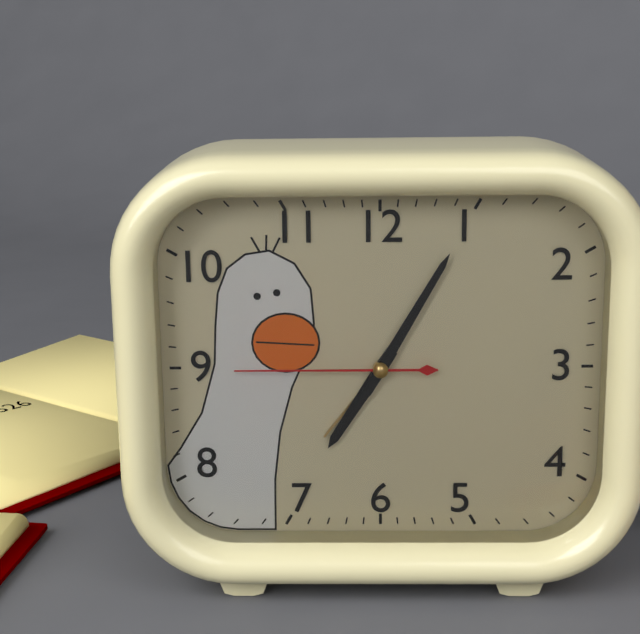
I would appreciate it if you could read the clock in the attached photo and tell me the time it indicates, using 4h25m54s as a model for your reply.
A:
7h05m45s
